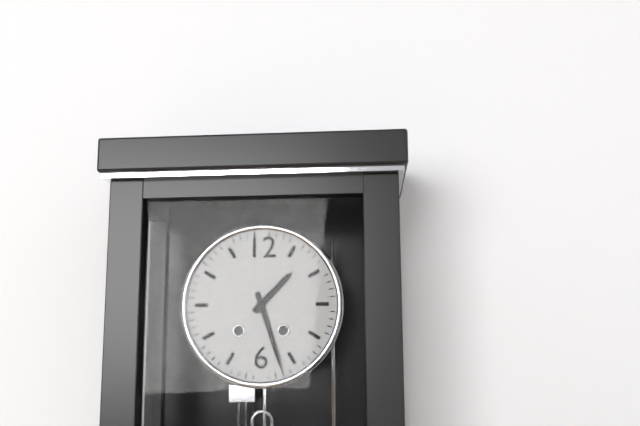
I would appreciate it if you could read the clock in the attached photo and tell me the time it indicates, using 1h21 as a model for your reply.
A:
1h27
